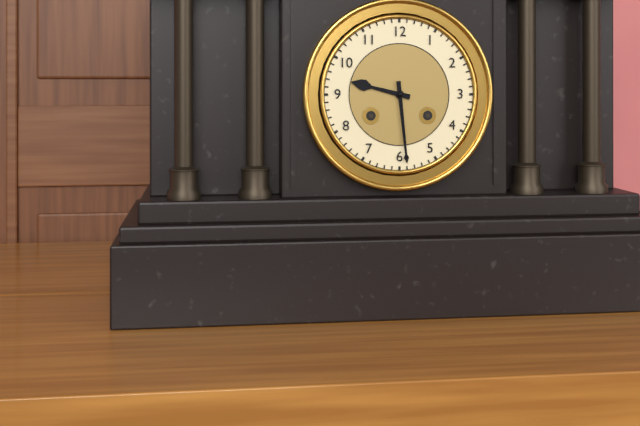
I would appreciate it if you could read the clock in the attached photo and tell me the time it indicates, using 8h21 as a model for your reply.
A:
9h29
